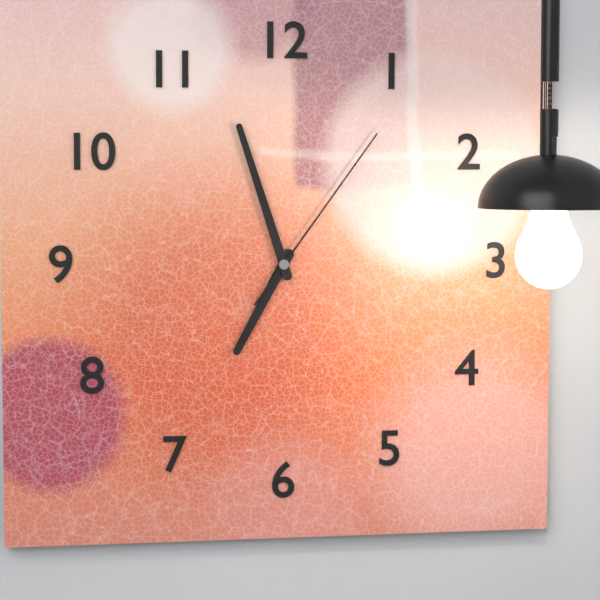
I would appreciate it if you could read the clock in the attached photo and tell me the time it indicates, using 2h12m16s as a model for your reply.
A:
6h57m06s
